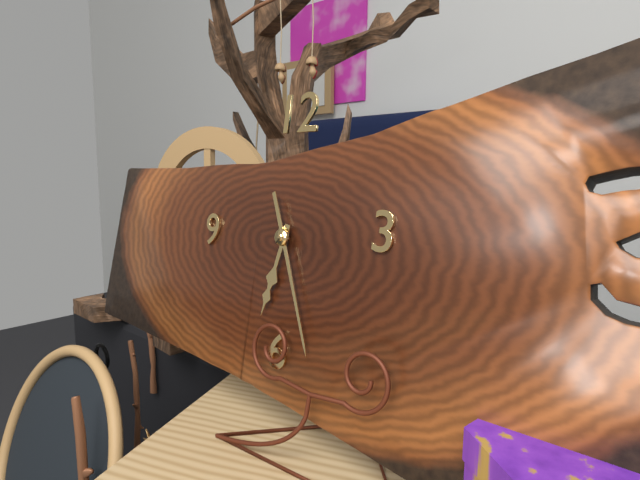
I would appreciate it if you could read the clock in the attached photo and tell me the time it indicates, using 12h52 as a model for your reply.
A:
6h26
